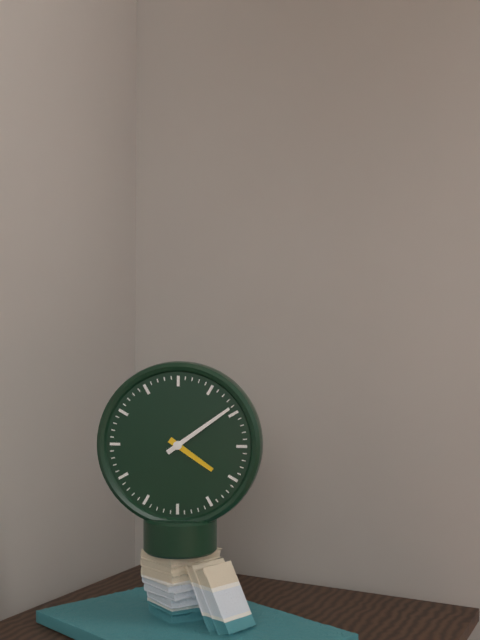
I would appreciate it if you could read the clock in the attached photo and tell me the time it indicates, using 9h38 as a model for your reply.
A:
4h09
